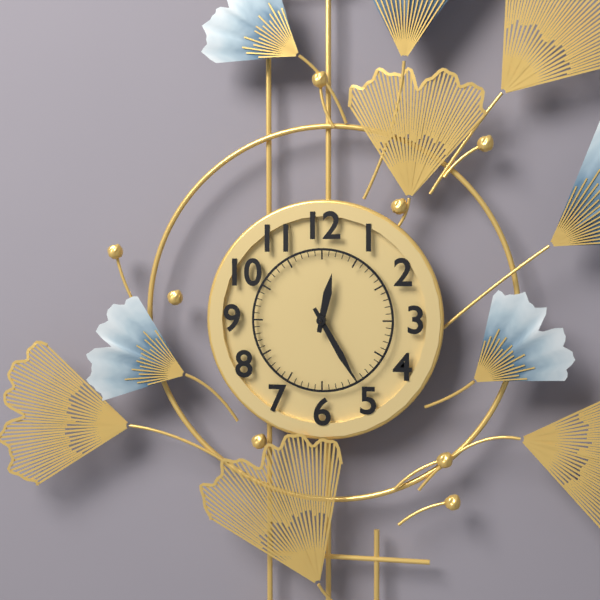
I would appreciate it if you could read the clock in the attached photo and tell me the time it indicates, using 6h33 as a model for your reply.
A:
12h25
